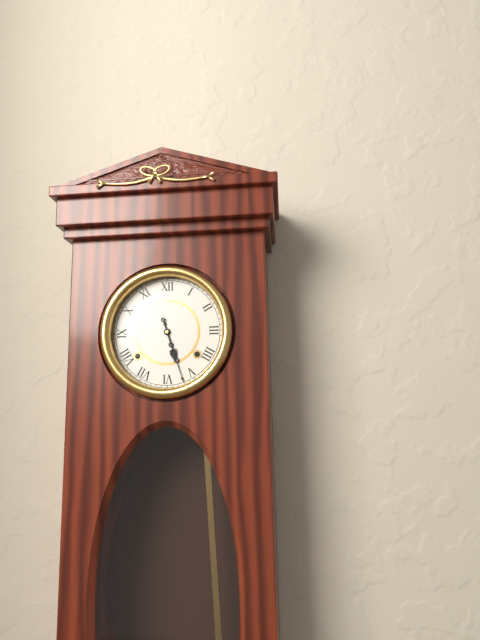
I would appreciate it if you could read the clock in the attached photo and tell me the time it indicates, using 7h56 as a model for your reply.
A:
5h27
